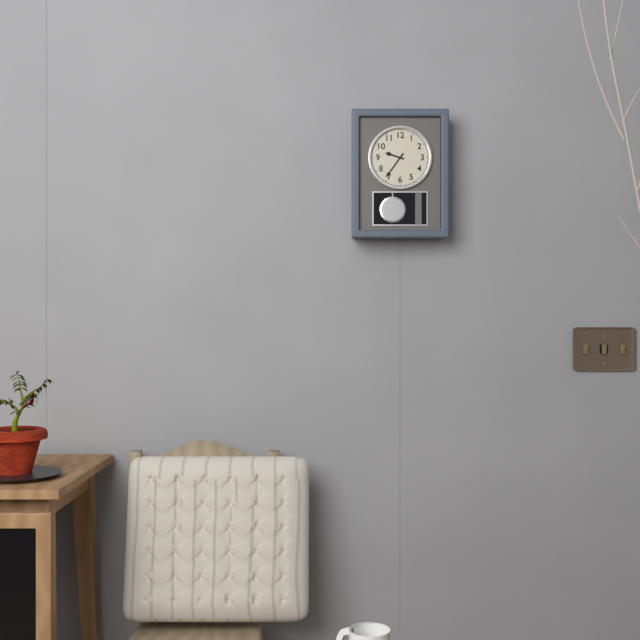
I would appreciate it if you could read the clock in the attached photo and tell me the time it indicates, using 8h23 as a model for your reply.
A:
9h36
